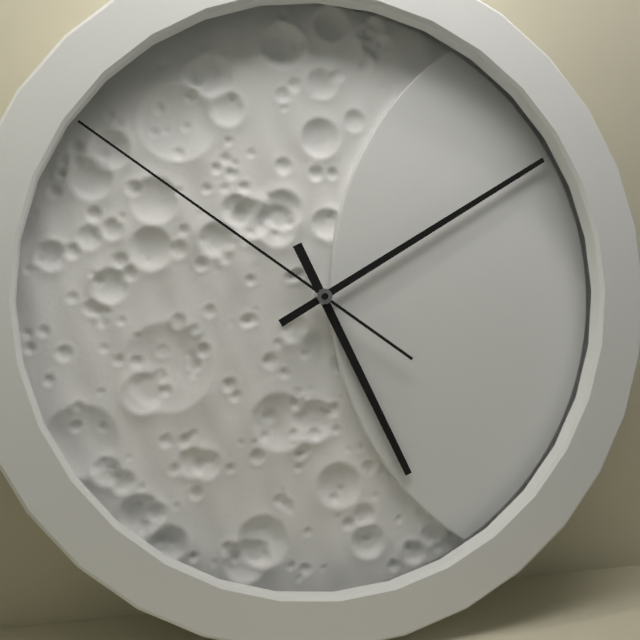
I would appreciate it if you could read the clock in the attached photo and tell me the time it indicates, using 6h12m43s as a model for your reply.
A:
5h10m51s
